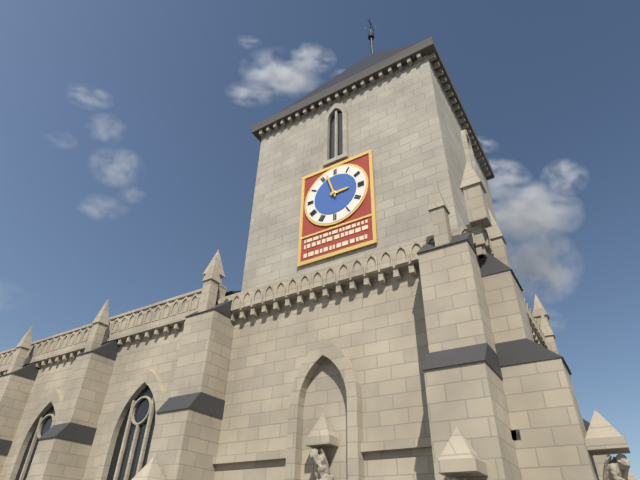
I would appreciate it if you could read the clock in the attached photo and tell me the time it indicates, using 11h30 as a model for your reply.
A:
2h57
